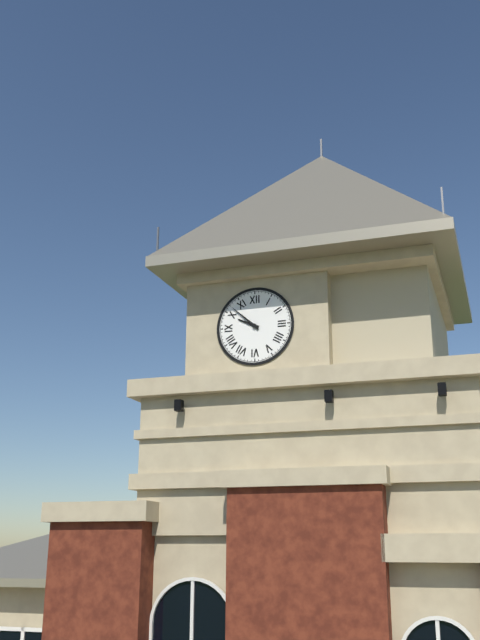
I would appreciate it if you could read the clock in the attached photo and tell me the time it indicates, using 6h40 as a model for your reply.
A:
9h52
